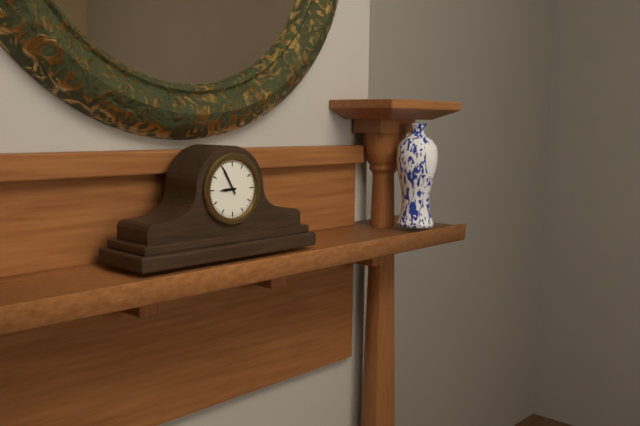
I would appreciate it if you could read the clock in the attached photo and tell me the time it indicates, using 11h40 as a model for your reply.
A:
8h55
